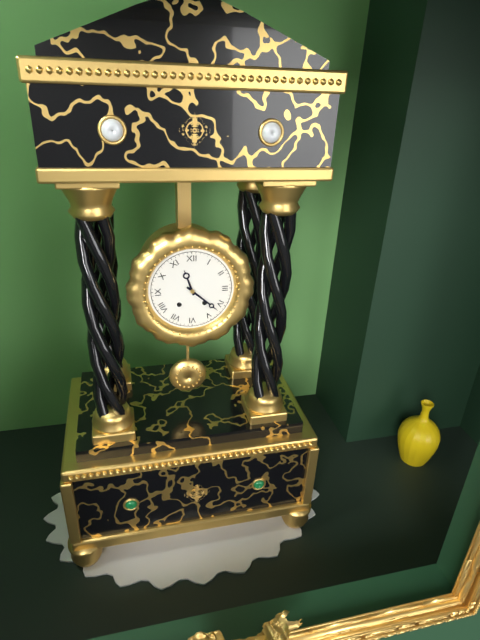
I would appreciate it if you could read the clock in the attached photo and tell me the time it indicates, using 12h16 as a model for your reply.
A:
11h22
